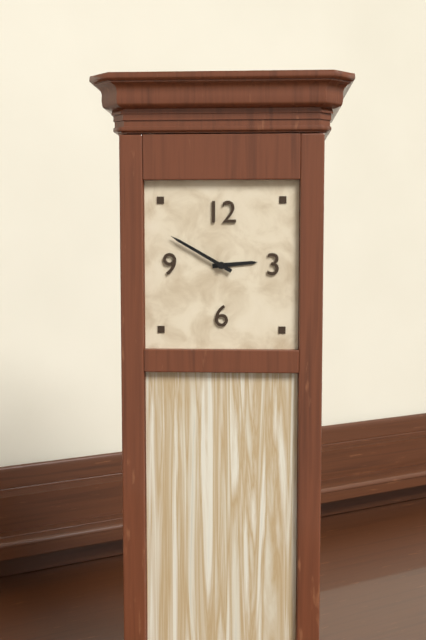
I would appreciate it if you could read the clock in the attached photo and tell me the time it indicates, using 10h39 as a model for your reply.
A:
2h50
